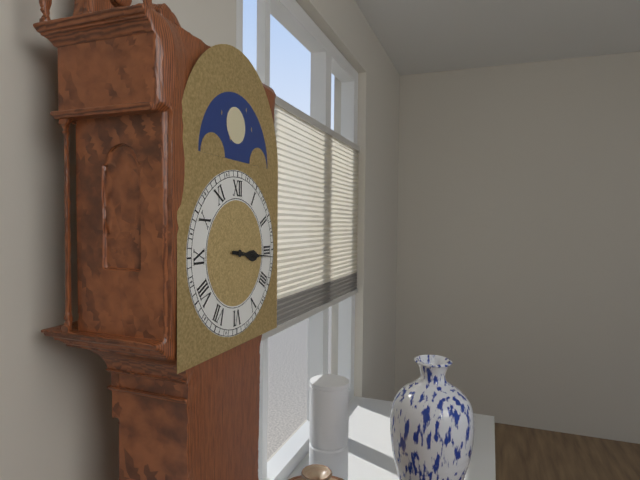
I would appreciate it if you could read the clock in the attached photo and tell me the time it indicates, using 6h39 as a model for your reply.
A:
3h16
